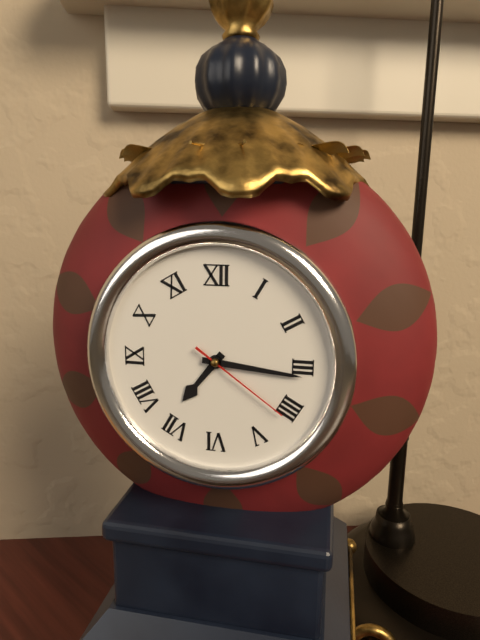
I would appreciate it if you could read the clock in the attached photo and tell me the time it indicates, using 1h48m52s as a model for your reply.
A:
7h16m21s
